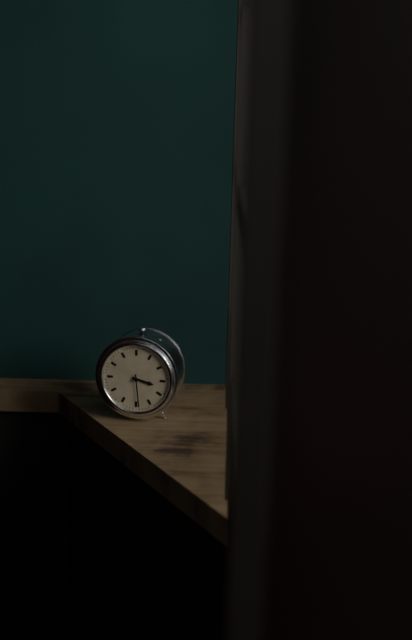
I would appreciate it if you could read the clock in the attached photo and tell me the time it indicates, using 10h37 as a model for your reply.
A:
3h29
